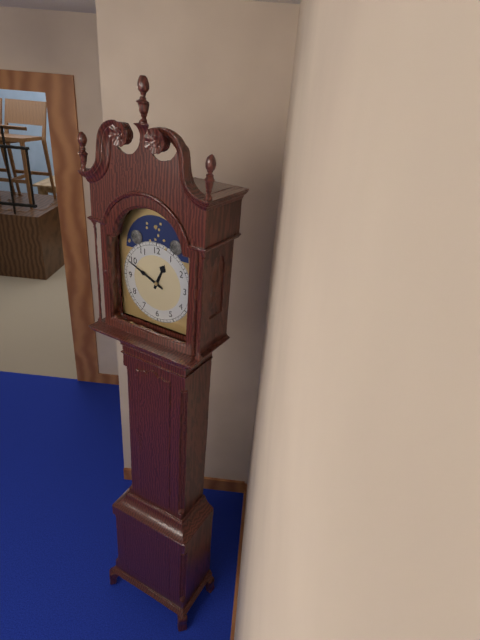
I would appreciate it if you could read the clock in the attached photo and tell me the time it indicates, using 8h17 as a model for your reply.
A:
12h49
